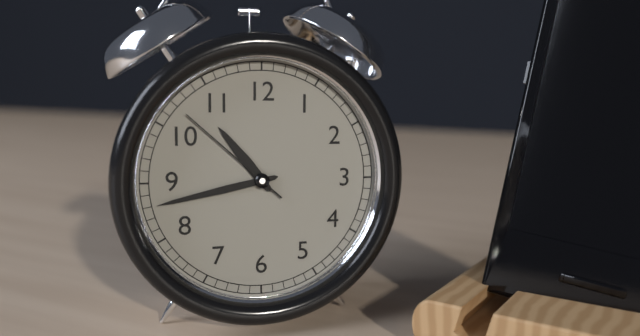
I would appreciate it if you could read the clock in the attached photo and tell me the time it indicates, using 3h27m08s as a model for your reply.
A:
10h43m52s
